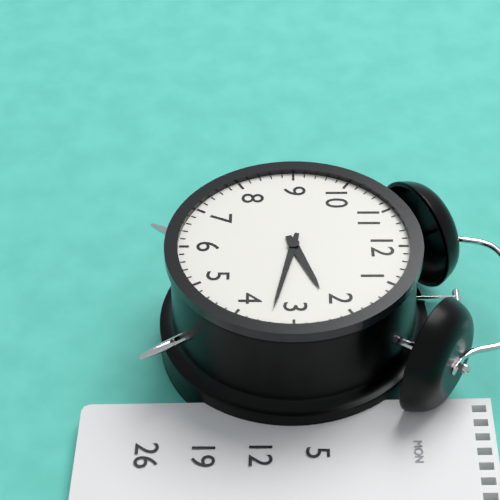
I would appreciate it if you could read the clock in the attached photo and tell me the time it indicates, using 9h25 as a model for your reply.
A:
2h17
